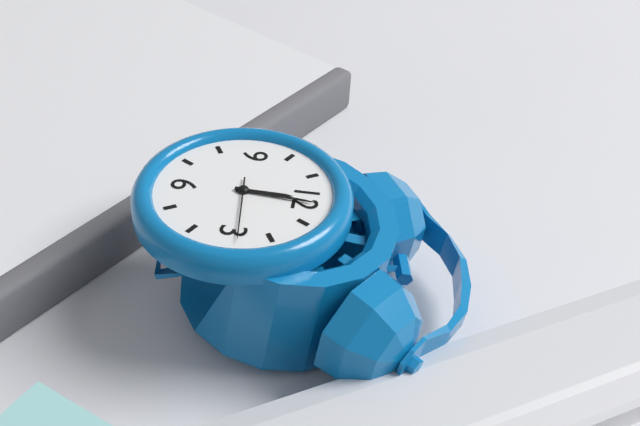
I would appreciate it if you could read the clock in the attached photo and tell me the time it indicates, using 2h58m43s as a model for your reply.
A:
12h01m14s
